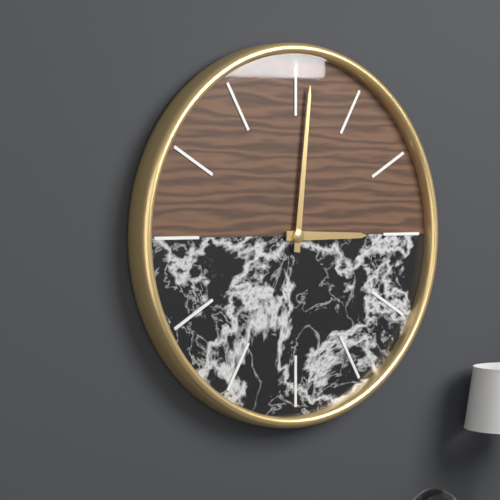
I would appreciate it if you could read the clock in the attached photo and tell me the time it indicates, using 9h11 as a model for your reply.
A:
3h01
